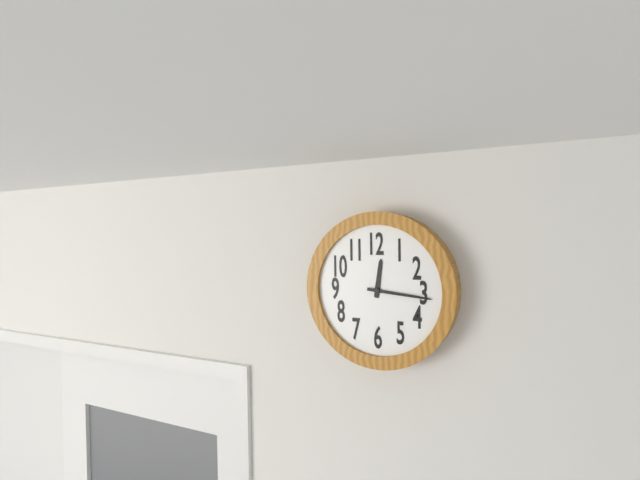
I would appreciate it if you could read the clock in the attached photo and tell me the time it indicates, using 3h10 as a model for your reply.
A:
12h16
